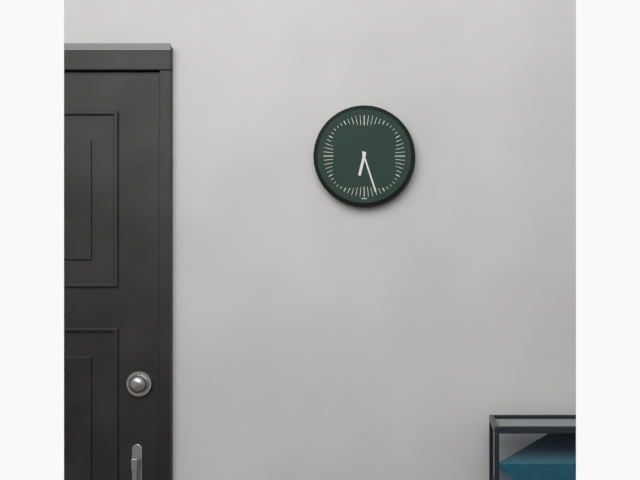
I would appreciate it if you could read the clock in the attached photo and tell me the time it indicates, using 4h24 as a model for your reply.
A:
6h27
